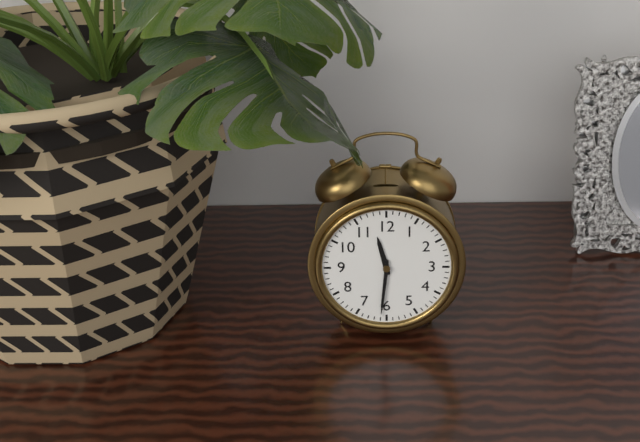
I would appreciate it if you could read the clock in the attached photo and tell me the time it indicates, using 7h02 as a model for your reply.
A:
11h31
